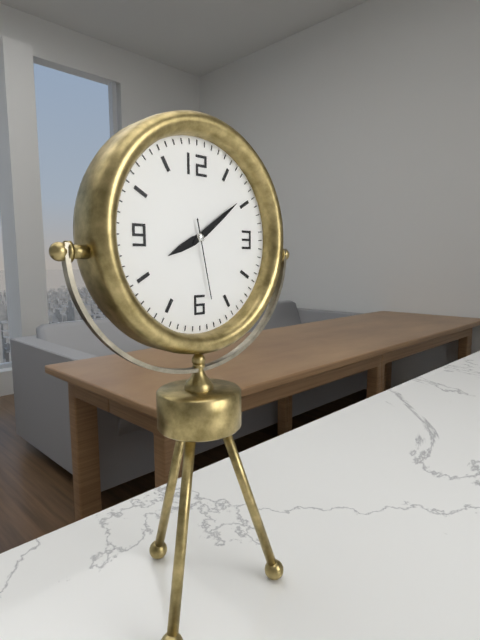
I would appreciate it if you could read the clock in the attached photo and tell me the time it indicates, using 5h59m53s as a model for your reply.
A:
8h09m28s
